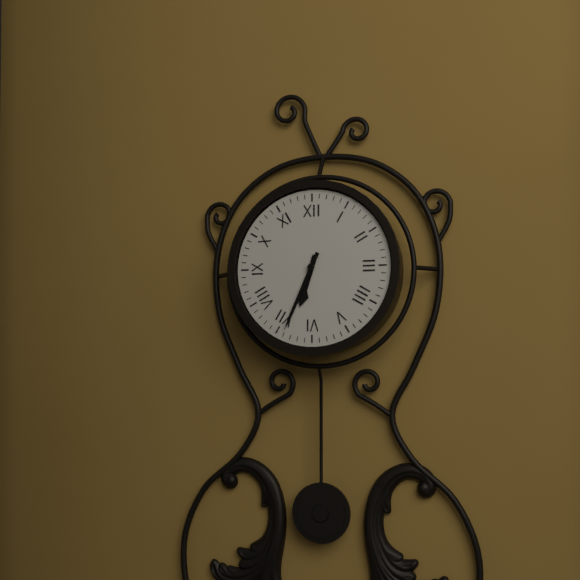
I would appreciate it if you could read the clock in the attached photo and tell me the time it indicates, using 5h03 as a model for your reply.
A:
6h34
